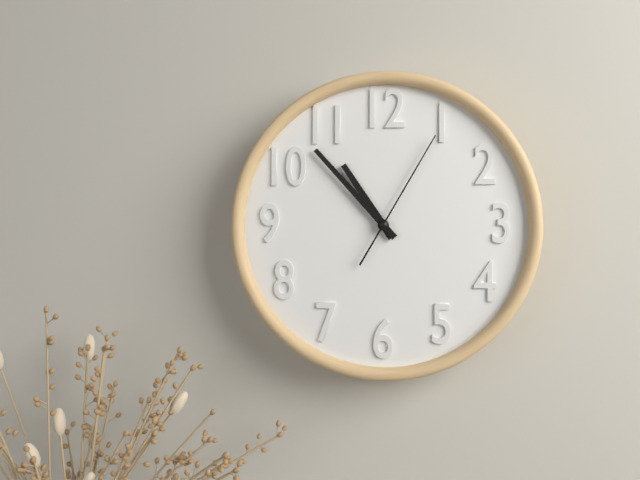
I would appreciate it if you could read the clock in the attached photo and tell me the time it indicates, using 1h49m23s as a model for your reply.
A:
10h53m05s
